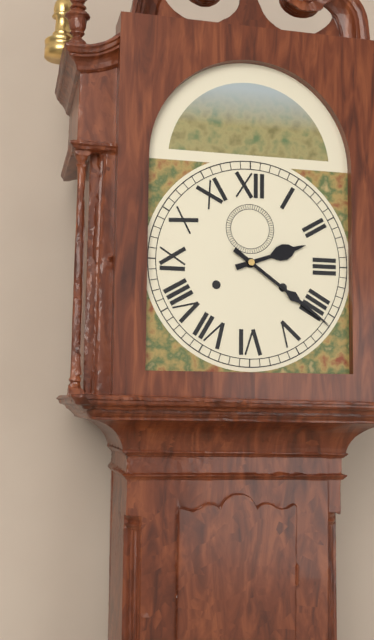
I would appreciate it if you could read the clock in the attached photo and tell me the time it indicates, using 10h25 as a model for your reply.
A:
2h21
